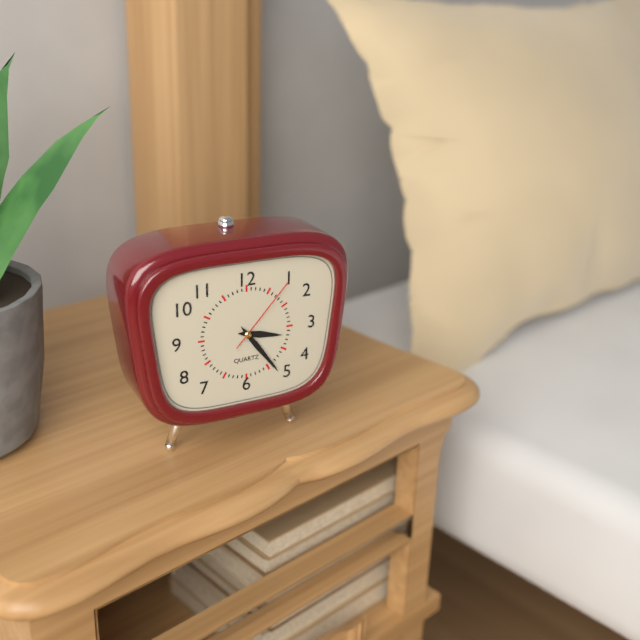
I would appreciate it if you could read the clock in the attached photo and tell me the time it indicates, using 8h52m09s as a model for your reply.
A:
3h24m07s
